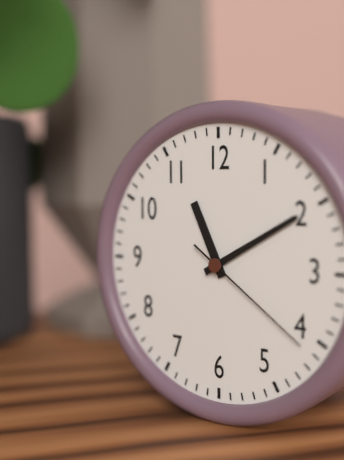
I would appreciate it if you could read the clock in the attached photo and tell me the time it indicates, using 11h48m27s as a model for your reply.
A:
11h10m21s
